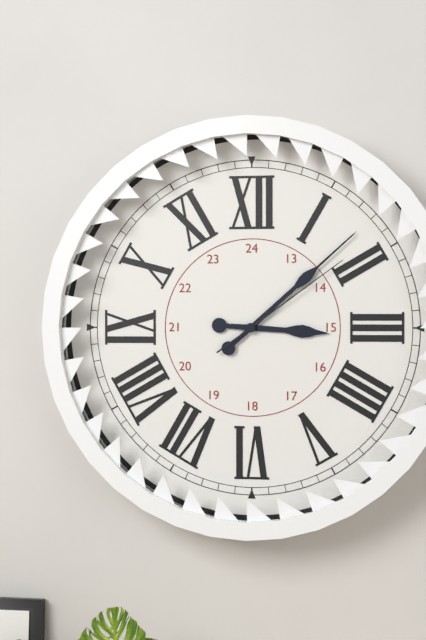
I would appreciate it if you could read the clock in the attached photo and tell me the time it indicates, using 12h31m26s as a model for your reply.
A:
3h08m09s
